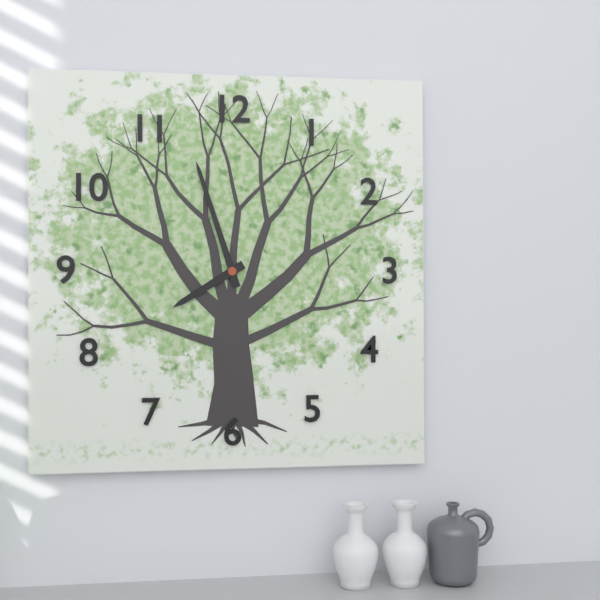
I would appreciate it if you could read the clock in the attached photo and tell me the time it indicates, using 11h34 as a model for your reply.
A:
7h57
